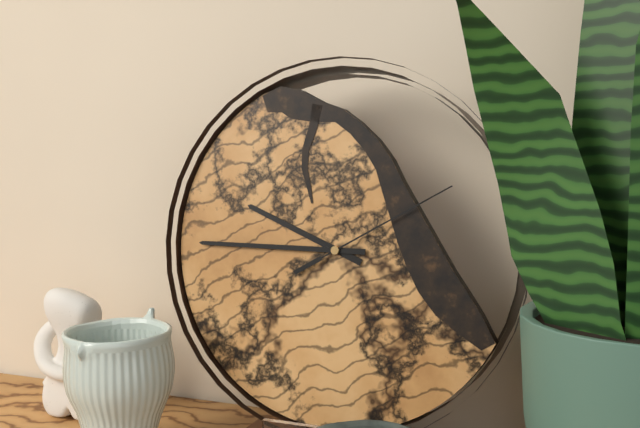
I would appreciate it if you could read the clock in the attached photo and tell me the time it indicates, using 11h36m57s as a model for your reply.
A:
9h45m10s
